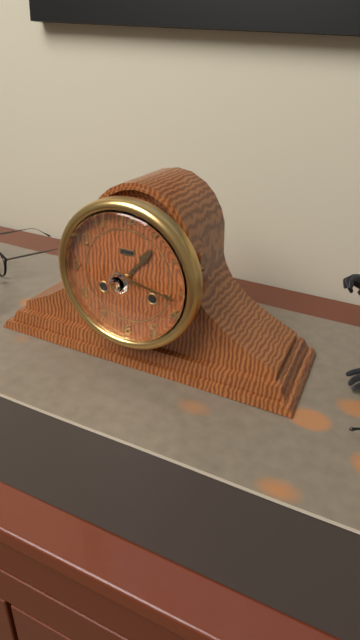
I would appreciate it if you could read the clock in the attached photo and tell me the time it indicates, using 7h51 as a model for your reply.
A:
1h17
